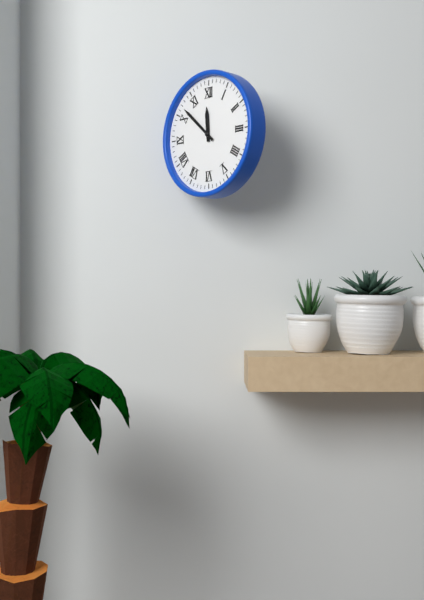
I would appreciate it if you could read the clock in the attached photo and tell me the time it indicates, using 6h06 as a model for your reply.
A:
11h52
